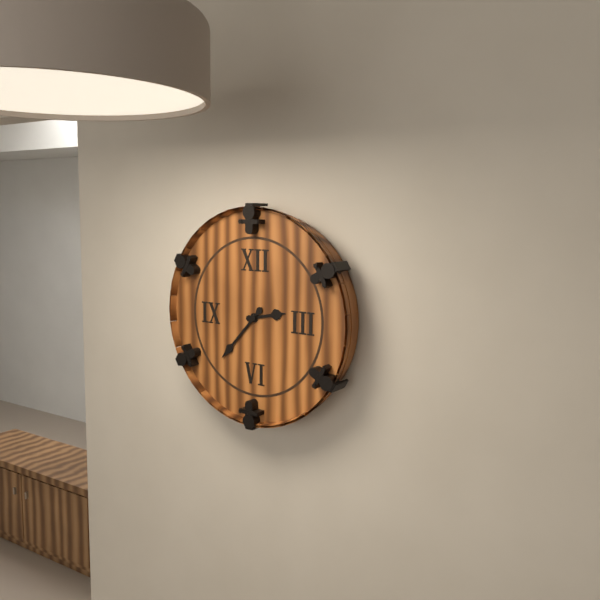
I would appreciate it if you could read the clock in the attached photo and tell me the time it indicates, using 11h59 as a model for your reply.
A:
2h37
